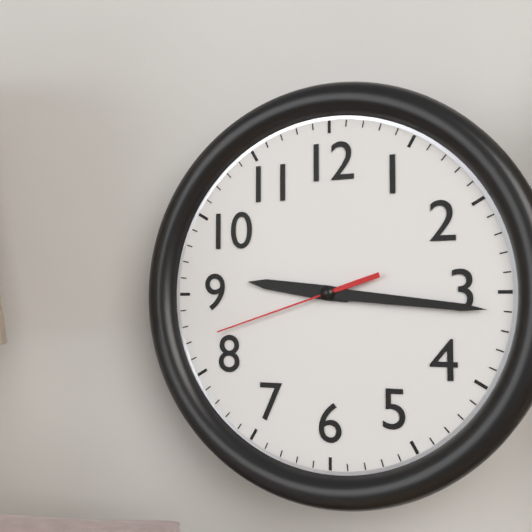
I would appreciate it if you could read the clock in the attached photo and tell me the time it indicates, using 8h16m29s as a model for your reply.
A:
9h16m42s
